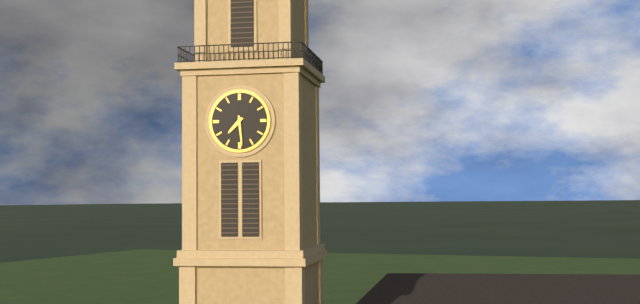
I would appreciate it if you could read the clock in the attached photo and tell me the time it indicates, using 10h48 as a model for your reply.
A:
7h29
